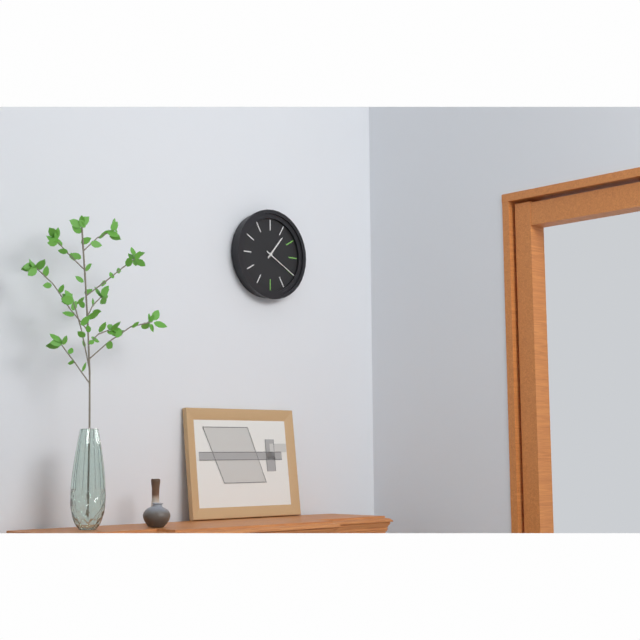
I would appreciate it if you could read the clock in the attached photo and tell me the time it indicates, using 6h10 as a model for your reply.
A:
1h20
